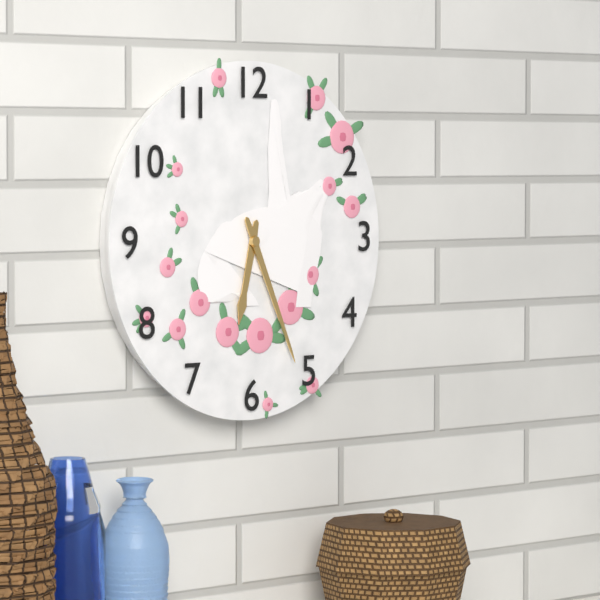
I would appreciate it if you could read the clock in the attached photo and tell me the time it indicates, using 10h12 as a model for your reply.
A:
6h26
